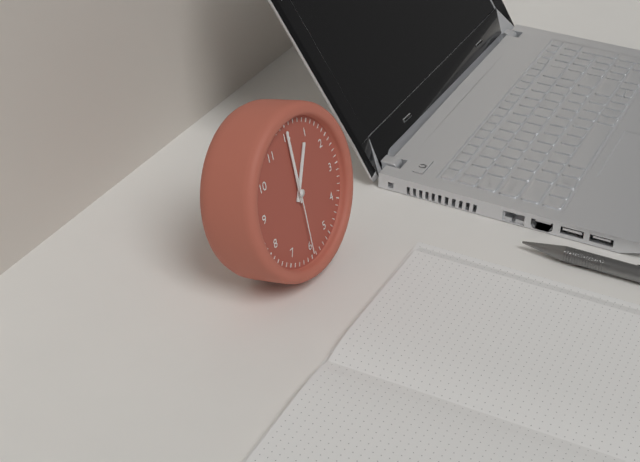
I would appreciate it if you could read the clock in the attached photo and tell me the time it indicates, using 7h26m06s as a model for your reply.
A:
1h00m30s
